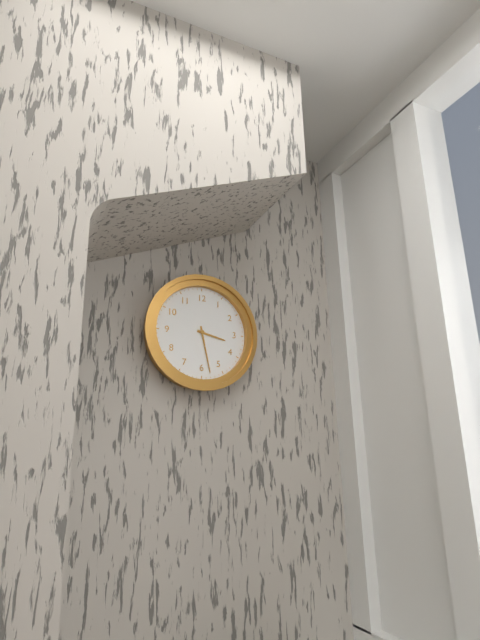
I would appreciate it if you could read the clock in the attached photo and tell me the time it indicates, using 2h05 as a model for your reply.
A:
3h28
